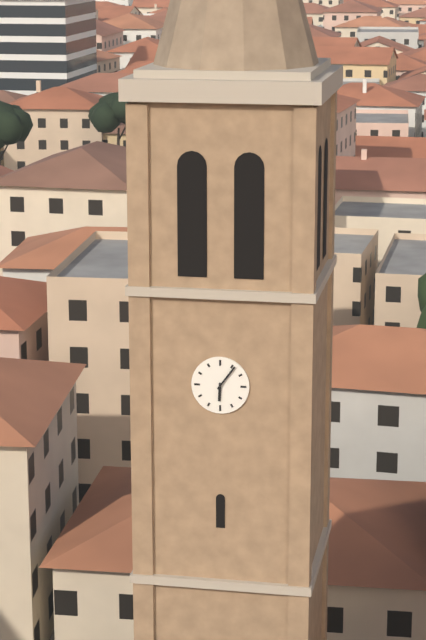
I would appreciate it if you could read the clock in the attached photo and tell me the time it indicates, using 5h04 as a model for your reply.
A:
6h06
